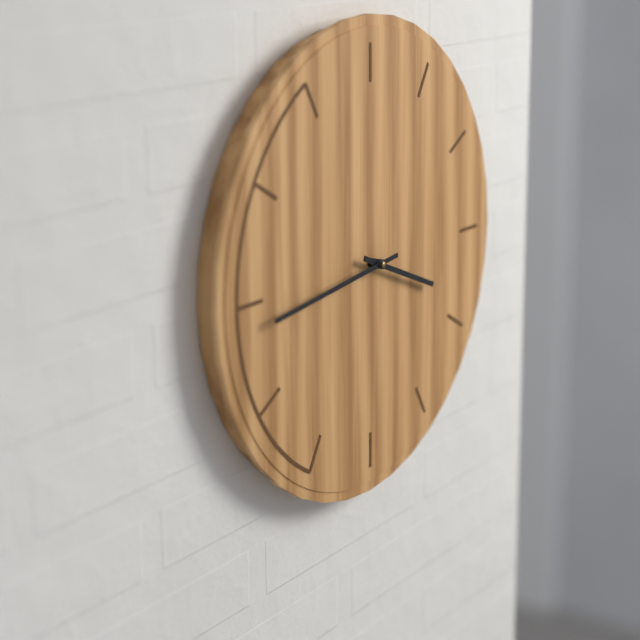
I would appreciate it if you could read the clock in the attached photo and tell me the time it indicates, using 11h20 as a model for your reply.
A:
3h44
